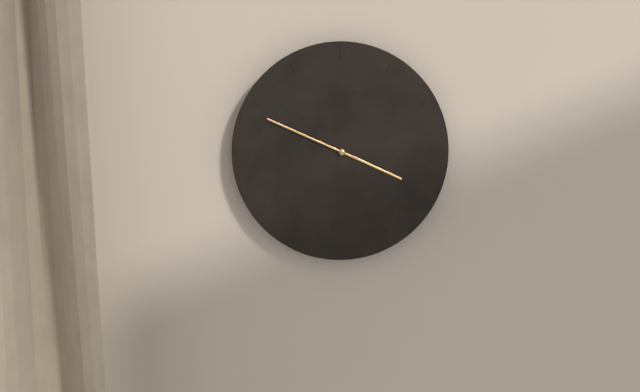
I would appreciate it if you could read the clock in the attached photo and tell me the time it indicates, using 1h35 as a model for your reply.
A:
3h49
